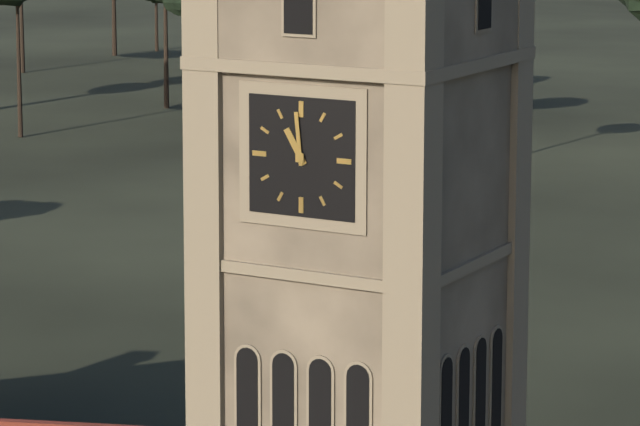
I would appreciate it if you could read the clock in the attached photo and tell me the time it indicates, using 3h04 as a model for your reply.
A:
10h59
